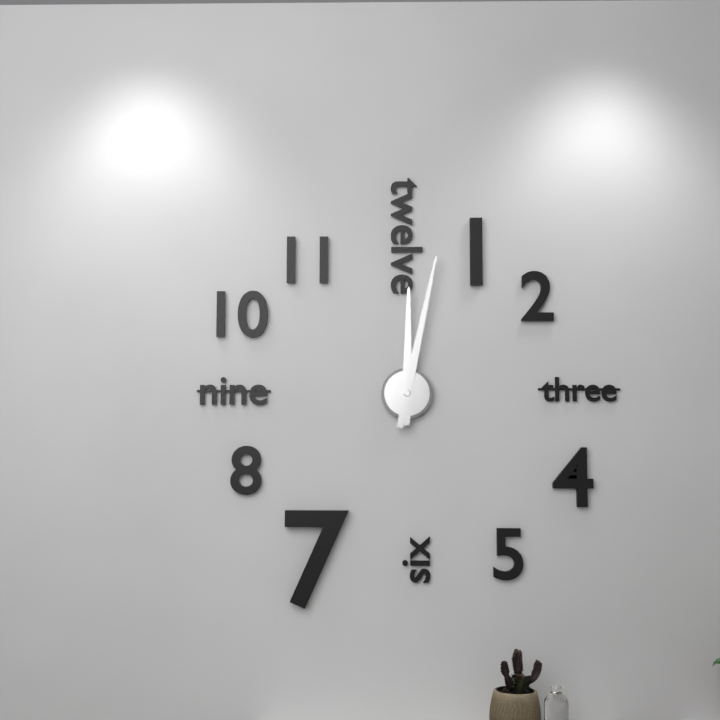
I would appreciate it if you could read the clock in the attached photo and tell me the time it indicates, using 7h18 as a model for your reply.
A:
12h02
